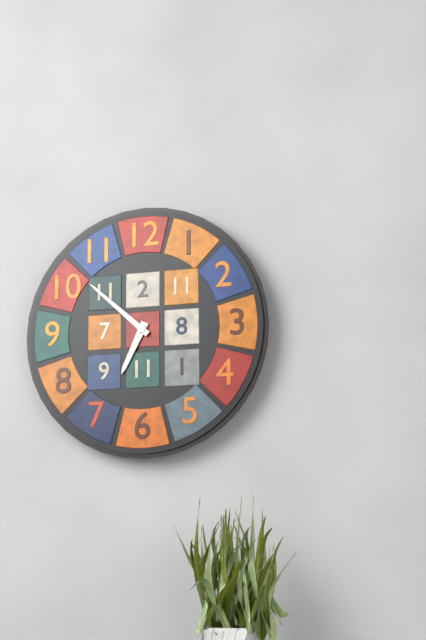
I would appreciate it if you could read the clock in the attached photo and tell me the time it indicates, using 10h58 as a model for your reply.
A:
6h52
